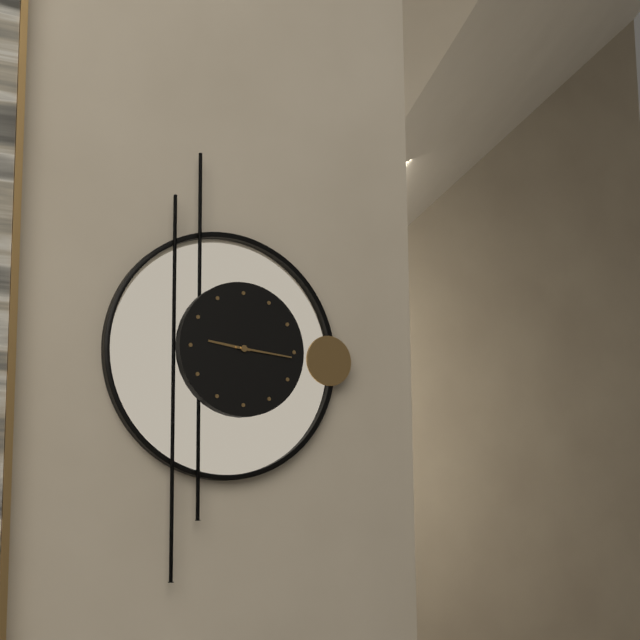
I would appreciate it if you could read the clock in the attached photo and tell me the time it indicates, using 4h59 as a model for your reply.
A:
9h16
